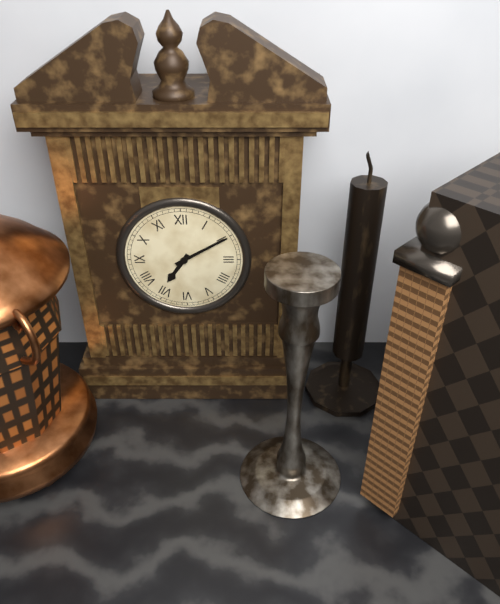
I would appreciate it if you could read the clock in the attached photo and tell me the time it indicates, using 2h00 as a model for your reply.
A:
7h10
